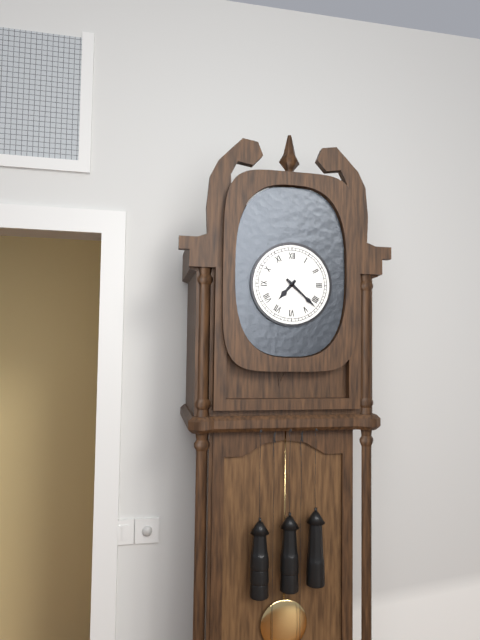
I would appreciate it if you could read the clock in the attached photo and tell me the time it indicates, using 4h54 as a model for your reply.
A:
7h22
